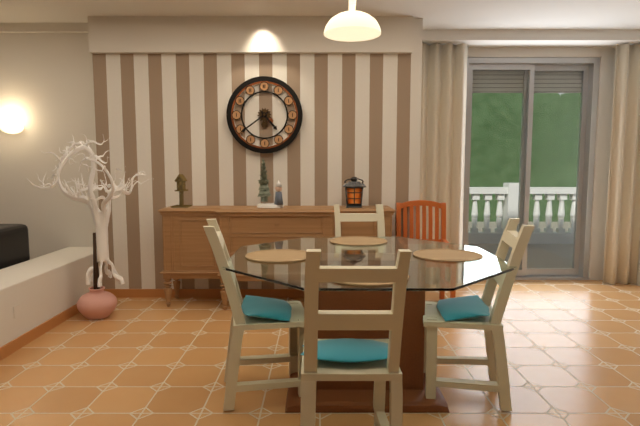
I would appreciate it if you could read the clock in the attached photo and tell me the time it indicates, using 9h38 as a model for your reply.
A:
4h39
